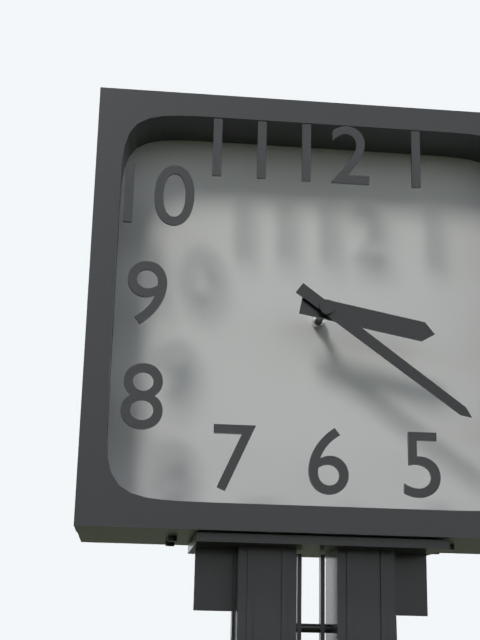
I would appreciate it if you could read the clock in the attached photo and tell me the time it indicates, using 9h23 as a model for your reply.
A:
3h21
